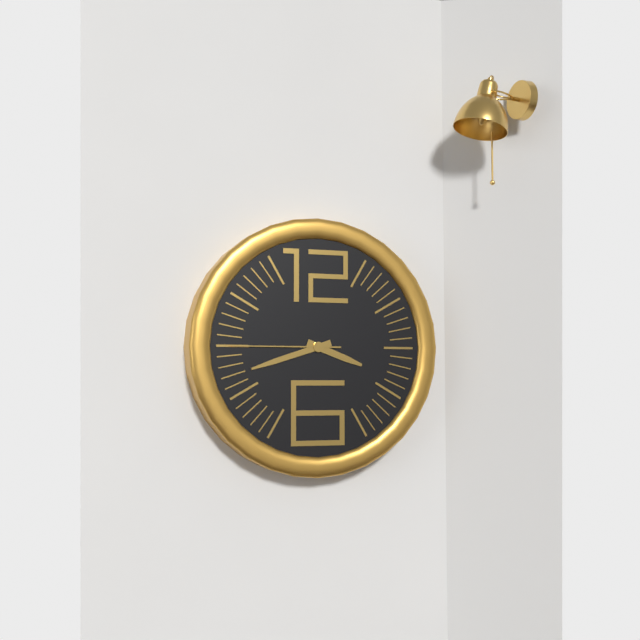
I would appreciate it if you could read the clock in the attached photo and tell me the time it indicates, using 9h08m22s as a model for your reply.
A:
3h42m45s
